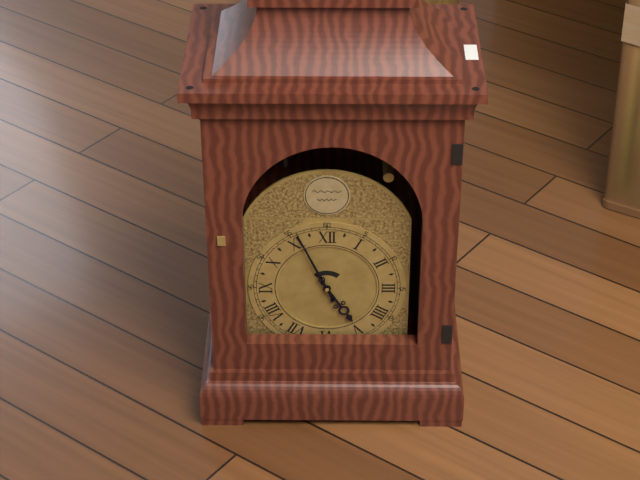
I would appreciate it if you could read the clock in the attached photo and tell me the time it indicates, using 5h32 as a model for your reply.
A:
4h56
